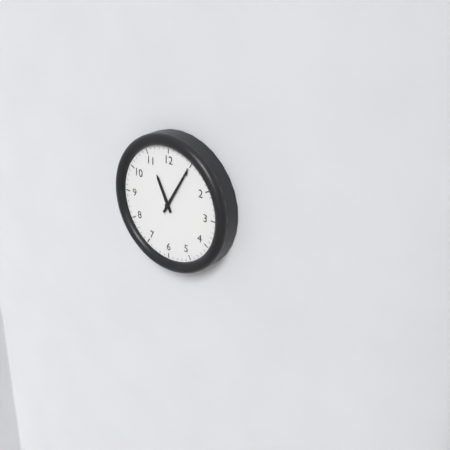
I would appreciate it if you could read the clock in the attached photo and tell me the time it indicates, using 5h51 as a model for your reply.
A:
11h05
